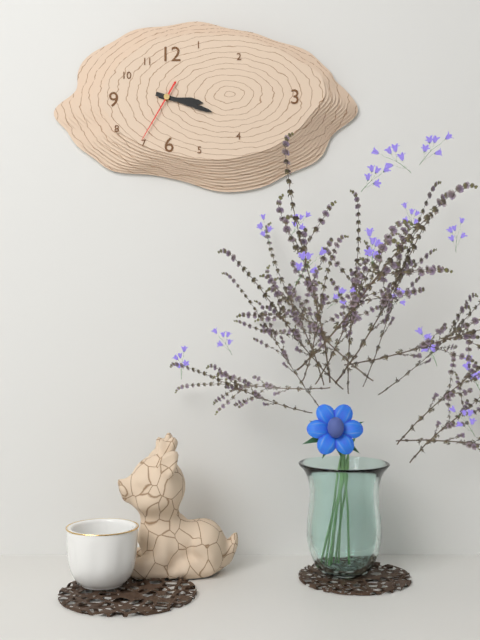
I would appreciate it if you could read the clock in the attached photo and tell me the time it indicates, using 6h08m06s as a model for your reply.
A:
3h18m35s
